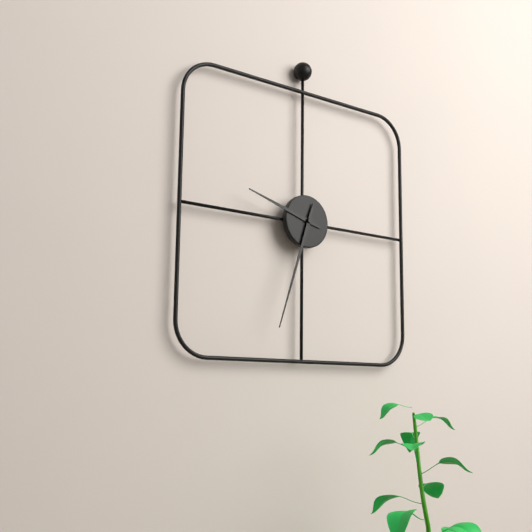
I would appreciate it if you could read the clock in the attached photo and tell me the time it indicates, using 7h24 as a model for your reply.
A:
9h33
